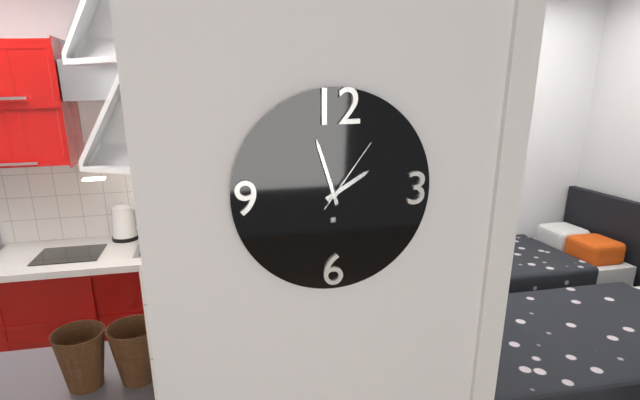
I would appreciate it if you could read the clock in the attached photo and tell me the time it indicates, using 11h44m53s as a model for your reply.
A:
1h57m06s
